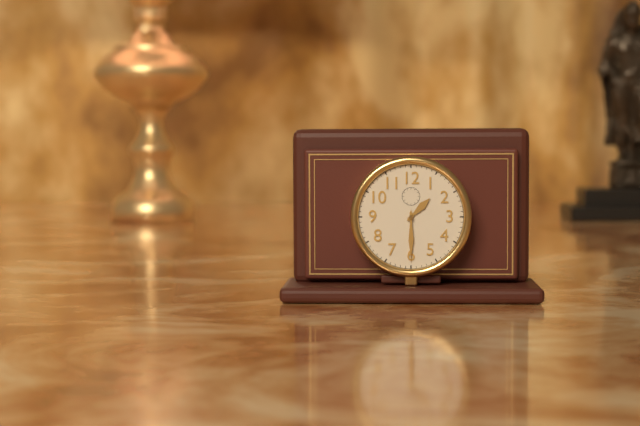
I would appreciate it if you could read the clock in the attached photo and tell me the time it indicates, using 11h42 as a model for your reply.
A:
1h30
